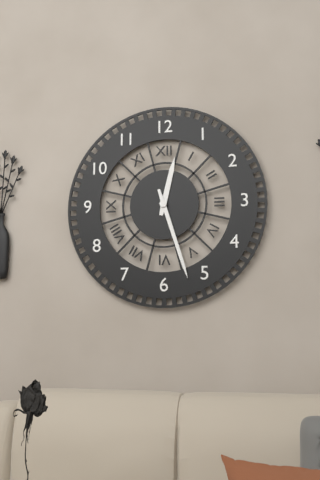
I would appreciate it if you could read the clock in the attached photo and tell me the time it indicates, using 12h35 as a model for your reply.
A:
12h27
